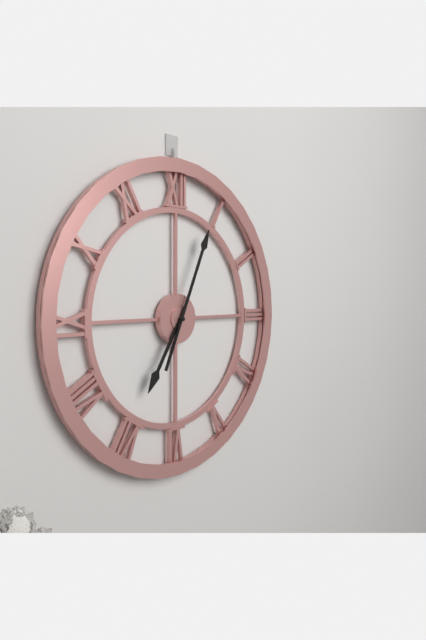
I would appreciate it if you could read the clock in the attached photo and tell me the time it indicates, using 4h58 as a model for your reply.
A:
7h04
